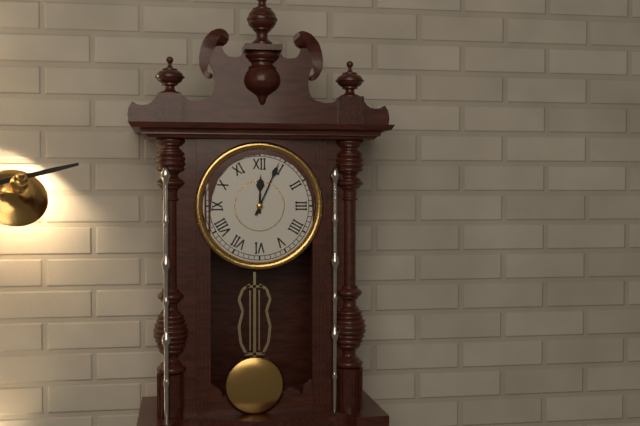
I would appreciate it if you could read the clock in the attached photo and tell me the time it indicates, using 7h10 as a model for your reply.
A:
12h04
